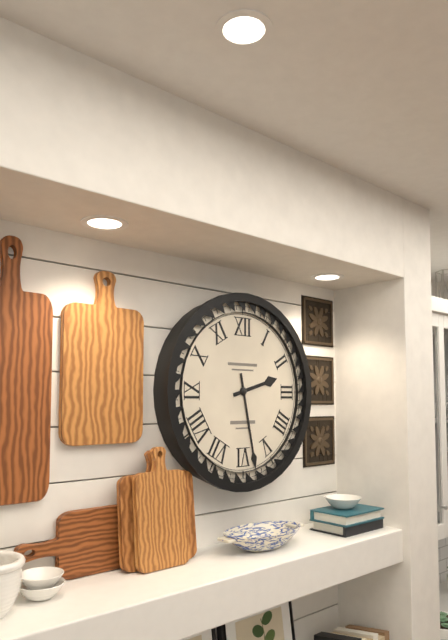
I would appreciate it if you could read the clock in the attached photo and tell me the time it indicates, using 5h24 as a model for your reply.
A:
2h28
